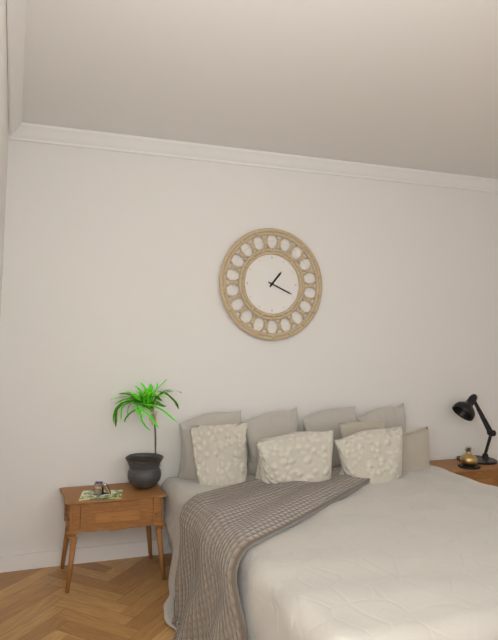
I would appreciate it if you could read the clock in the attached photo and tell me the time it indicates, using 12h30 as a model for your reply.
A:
1h19
